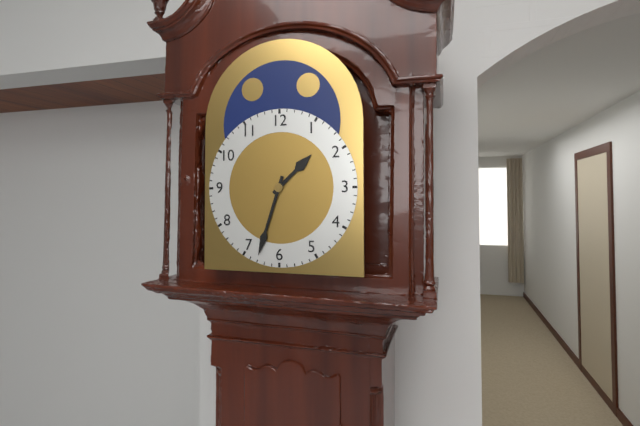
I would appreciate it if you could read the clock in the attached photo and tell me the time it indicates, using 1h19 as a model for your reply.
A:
1h33
